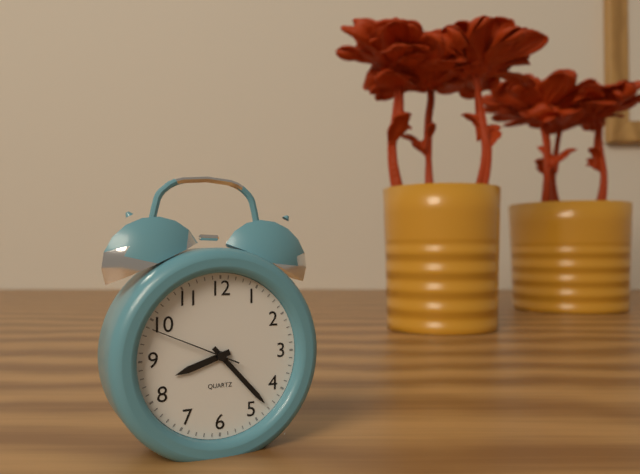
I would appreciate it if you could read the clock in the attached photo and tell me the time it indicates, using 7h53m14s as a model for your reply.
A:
8h23m49s
